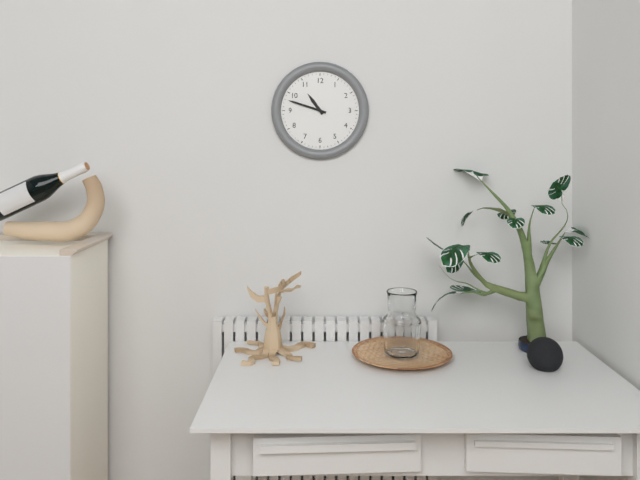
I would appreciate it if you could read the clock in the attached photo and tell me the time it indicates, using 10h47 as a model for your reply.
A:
10h48
